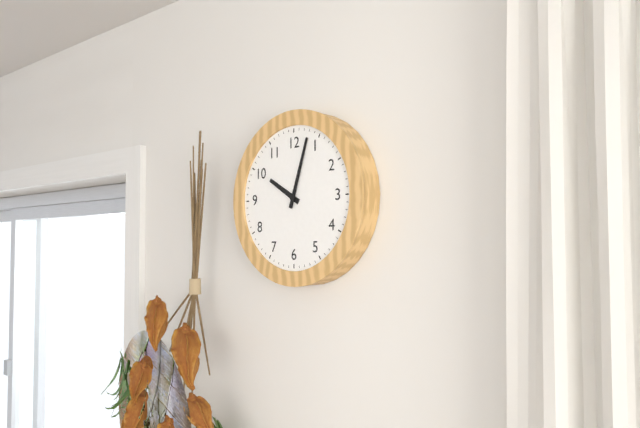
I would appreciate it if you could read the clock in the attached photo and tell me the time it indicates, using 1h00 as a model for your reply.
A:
10h03
